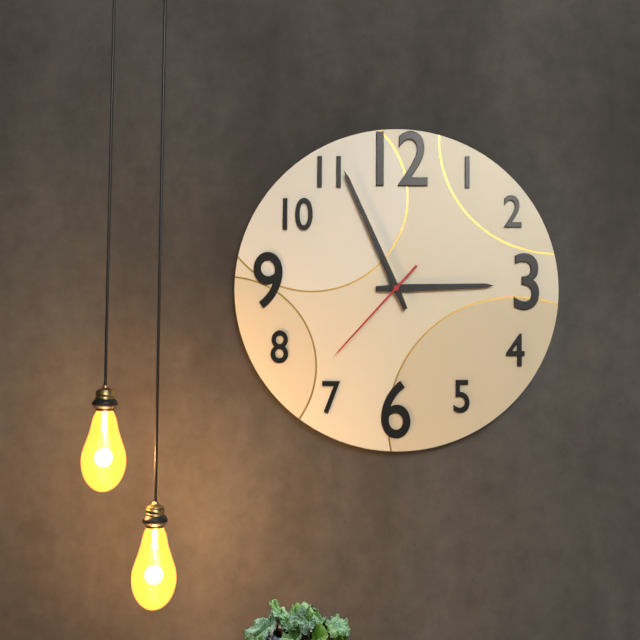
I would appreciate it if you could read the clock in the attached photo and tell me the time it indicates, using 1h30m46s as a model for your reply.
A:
2h56m37s
